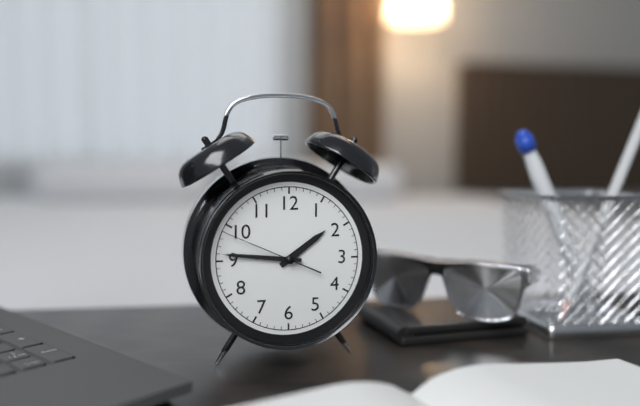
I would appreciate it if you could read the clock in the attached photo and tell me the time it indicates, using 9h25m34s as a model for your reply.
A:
1h46m49s
